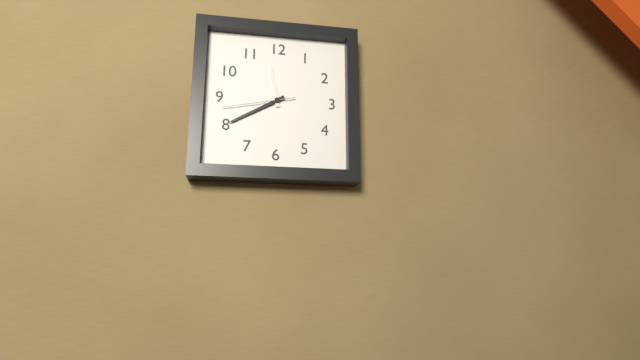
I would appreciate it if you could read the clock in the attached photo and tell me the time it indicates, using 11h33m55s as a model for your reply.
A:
11h40m43s
